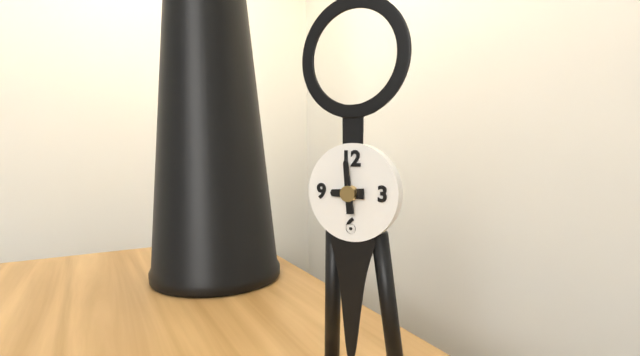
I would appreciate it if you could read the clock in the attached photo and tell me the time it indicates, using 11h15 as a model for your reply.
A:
8h59
